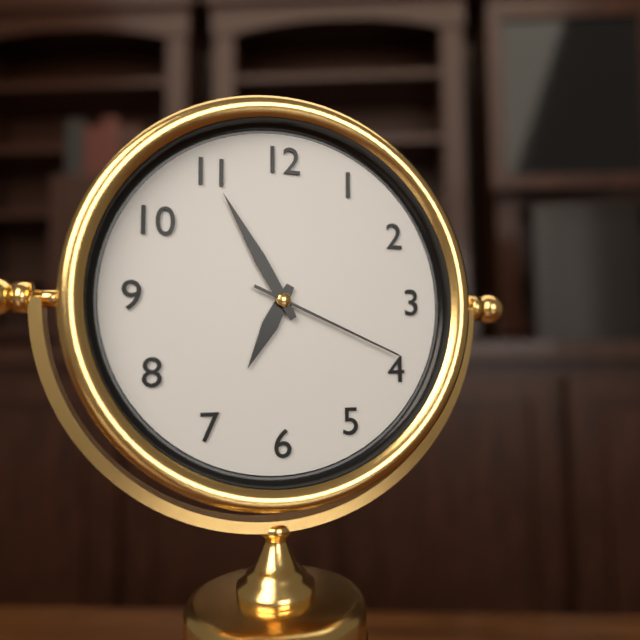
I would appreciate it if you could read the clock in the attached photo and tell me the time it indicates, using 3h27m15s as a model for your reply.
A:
6h55m19s
